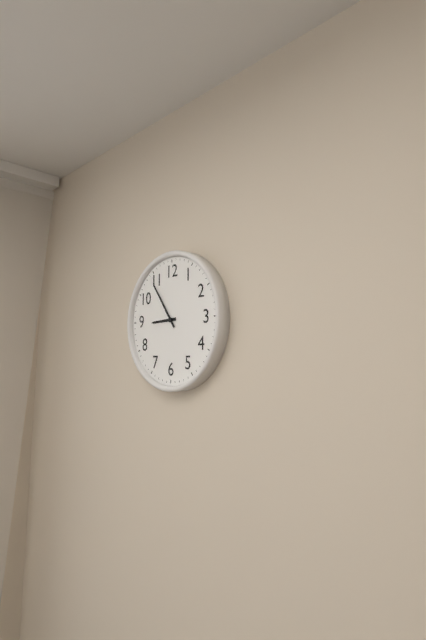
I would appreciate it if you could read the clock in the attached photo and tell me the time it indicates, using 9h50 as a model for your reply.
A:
8h54
